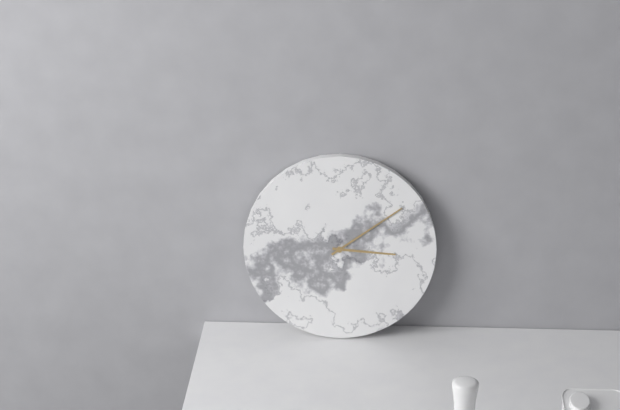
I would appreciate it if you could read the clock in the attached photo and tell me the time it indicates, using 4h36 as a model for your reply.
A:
3h09
